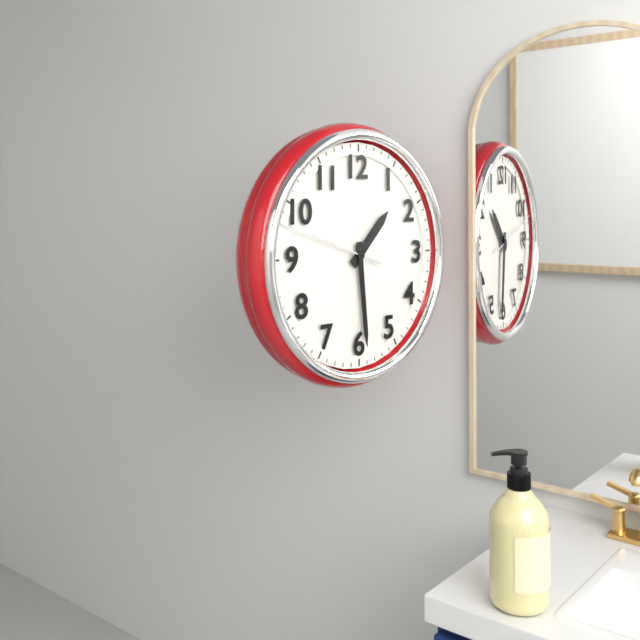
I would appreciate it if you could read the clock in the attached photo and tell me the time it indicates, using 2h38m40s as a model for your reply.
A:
1h29m48s
